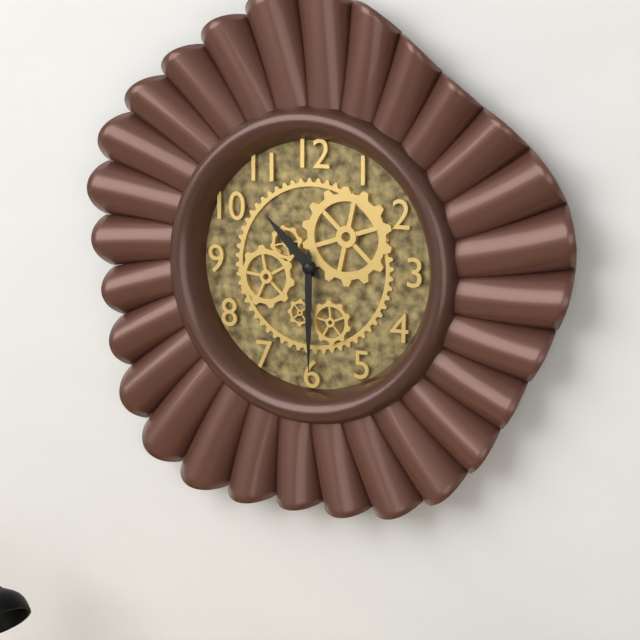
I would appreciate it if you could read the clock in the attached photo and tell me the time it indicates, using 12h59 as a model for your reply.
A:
10h30
